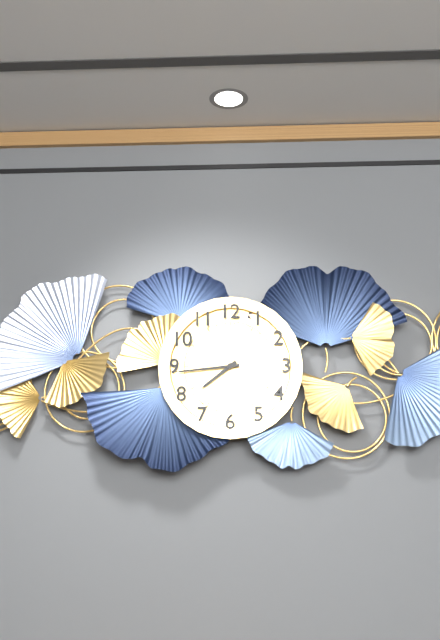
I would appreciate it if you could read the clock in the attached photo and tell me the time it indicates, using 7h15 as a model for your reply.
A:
7h44
